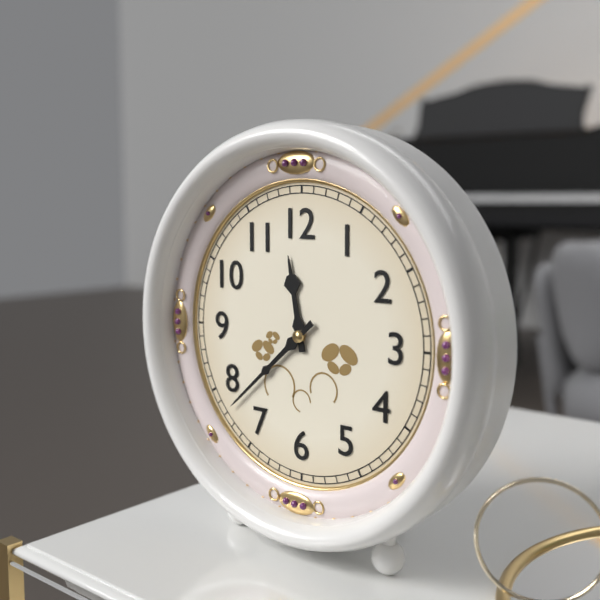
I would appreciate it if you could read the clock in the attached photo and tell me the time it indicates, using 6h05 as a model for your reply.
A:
11h38
